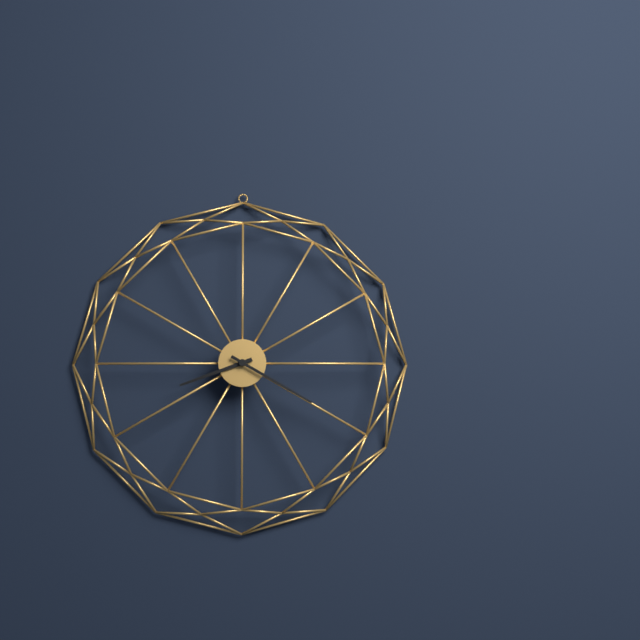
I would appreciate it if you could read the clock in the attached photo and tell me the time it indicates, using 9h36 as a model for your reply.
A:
8h20
